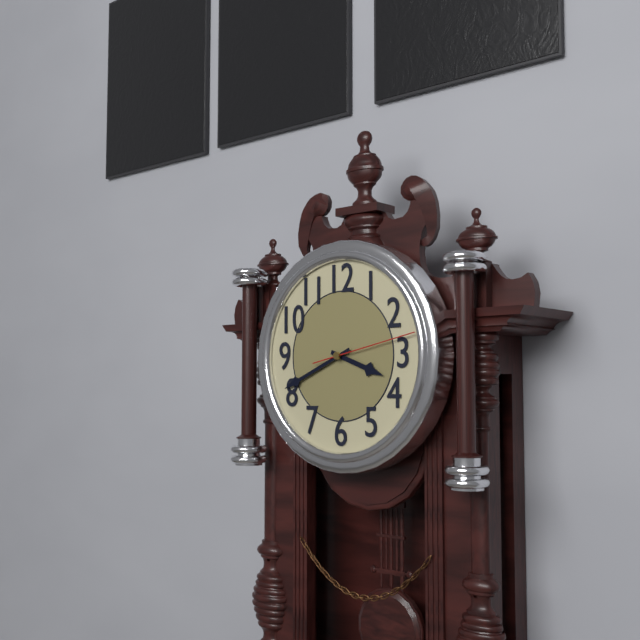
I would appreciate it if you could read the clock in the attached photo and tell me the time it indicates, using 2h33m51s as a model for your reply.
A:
3h41m13s
